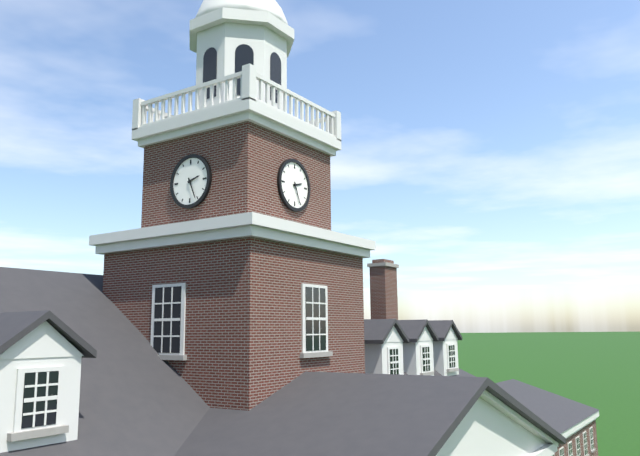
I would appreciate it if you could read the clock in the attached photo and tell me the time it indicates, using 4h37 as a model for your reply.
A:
2h26
